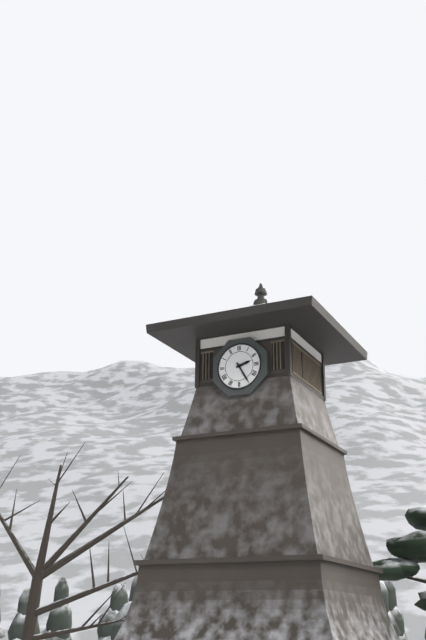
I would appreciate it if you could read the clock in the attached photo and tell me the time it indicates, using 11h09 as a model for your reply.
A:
2h25
